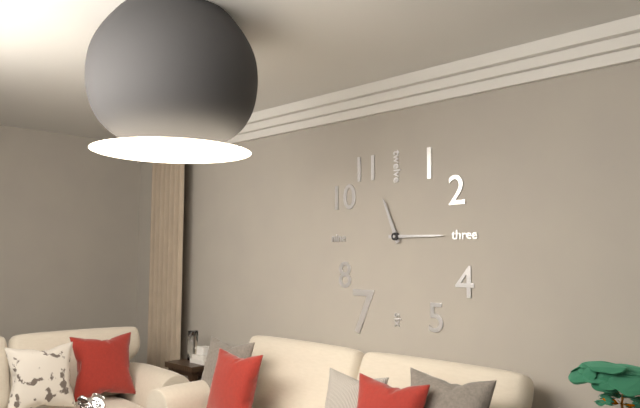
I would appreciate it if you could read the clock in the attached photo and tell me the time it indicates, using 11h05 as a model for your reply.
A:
11h15
